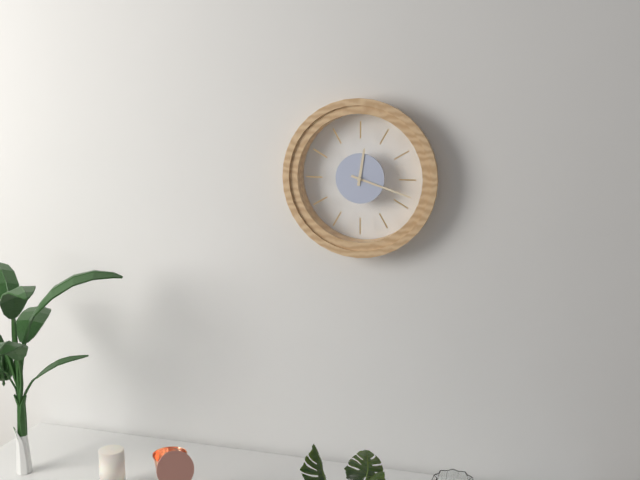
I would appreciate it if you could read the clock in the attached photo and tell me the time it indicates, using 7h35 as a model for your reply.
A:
12h18
